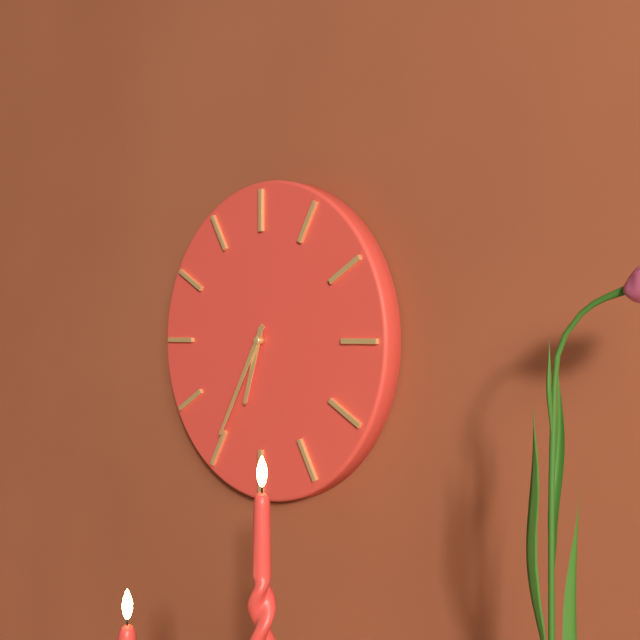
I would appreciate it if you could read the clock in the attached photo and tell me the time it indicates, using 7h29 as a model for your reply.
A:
6h35
